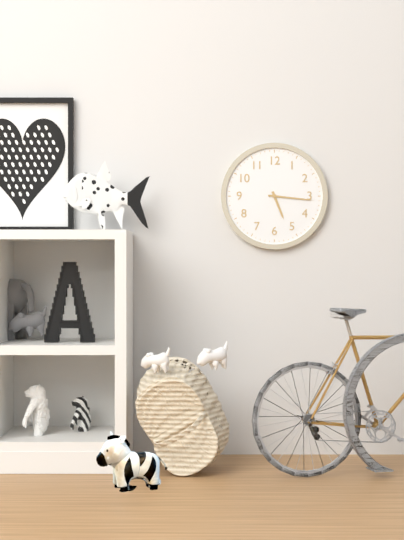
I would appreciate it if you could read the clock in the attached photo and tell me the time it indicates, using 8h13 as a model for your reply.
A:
5h16
